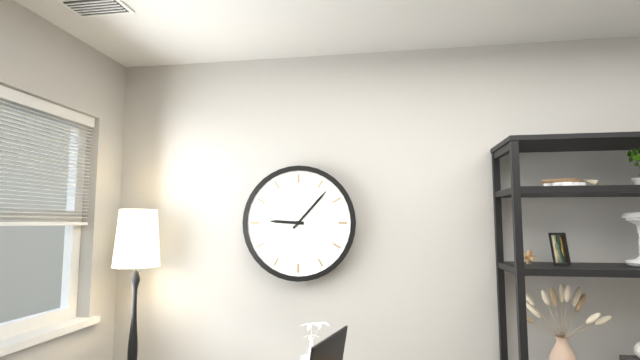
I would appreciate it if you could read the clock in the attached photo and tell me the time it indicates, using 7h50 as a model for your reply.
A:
9h07
